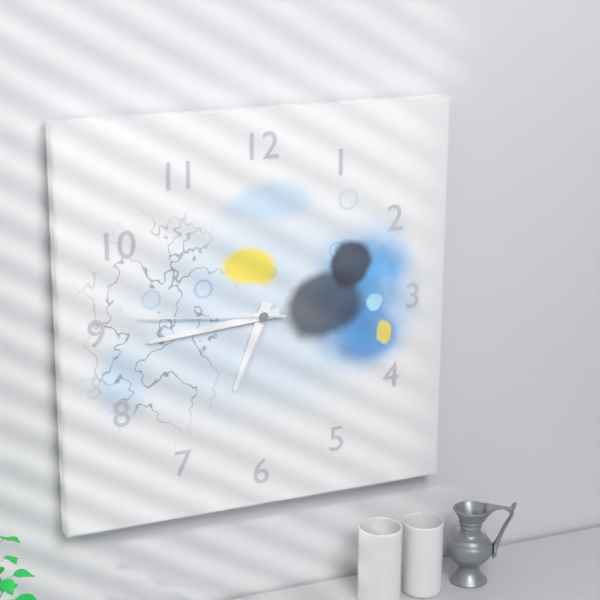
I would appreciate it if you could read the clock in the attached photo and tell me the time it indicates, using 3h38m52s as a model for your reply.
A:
6h44m46s
